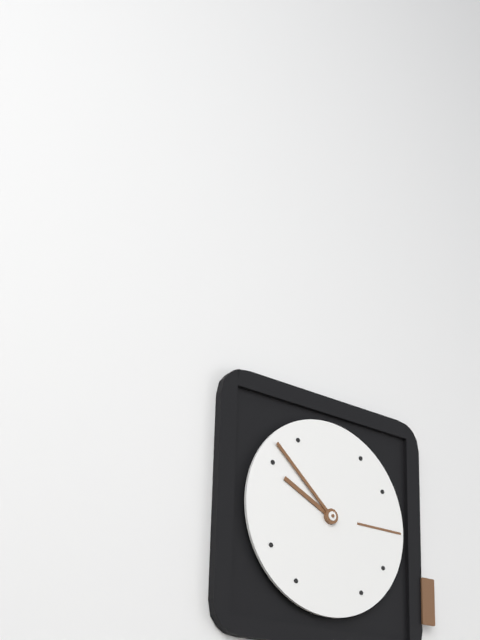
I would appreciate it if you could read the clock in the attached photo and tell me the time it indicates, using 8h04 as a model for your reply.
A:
9h52
